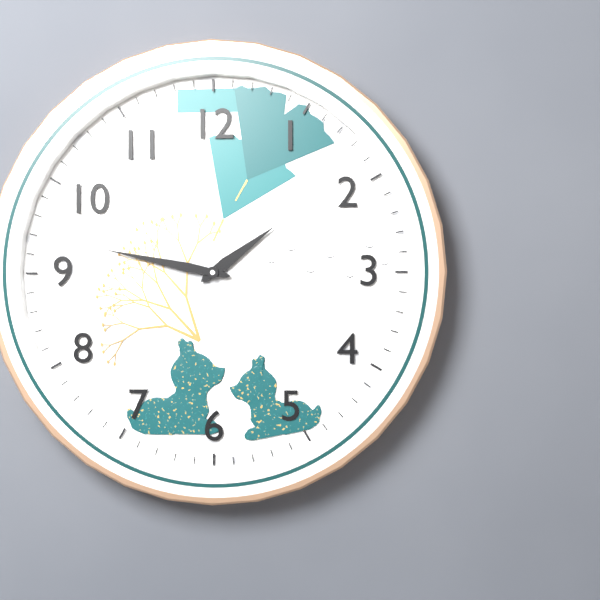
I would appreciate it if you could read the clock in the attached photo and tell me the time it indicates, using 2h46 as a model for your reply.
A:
1h47
